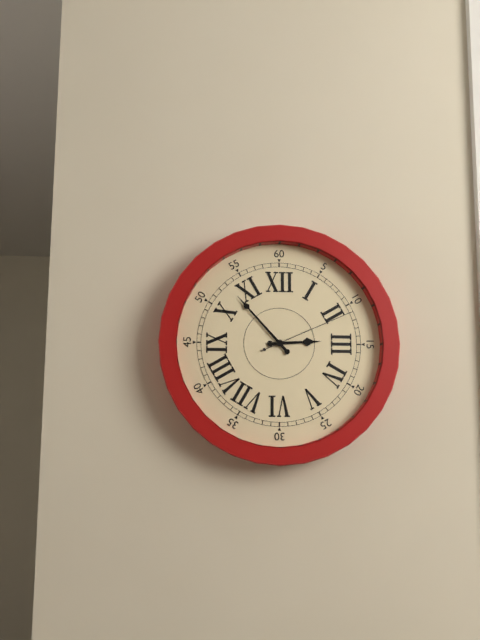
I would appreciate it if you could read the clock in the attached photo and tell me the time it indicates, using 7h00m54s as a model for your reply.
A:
2h53m11s
